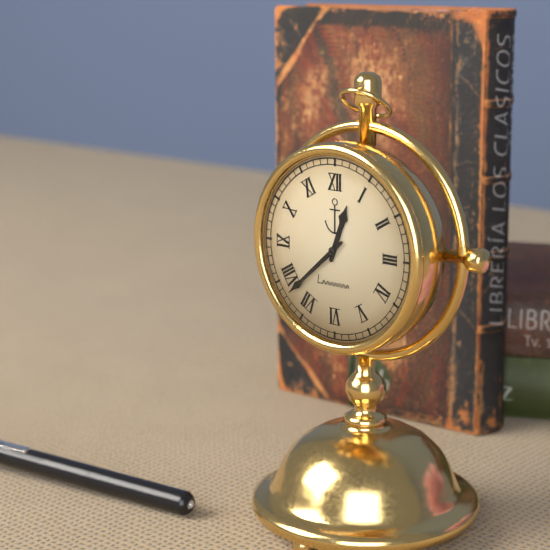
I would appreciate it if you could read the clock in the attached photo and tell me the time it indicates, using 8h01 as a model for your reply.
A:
12h38
